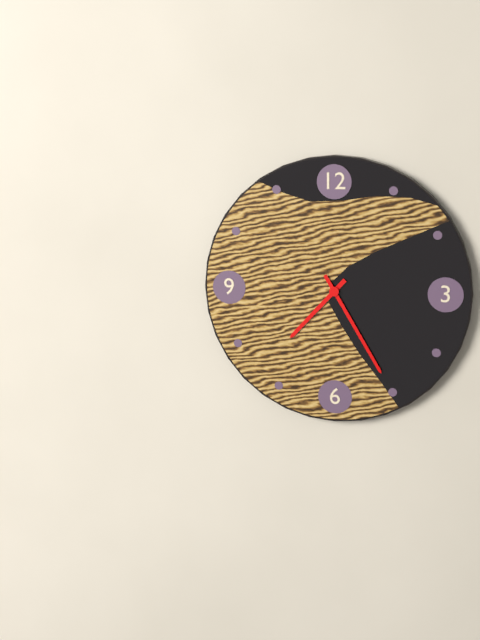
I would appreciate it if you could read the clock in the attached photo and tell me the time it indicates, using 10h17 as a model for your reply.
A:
7h25
